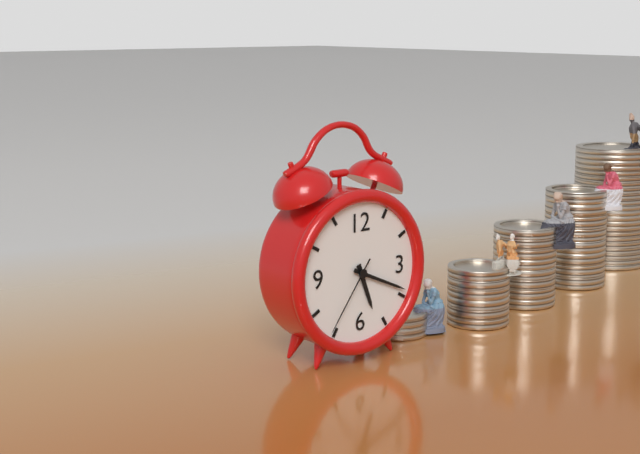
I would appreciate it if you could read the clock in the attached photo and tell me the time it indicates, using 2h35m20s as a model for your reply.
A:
5h19m36s
